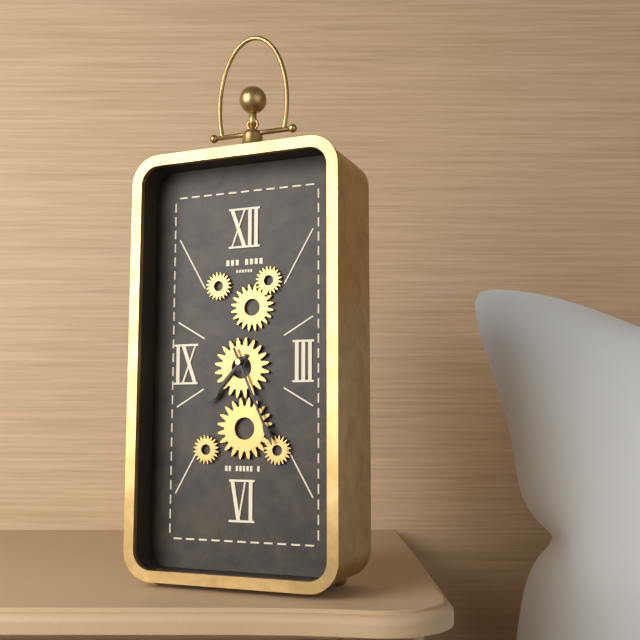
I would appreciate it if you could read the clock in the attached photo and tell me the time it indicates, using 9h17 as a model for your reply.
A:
7h26
